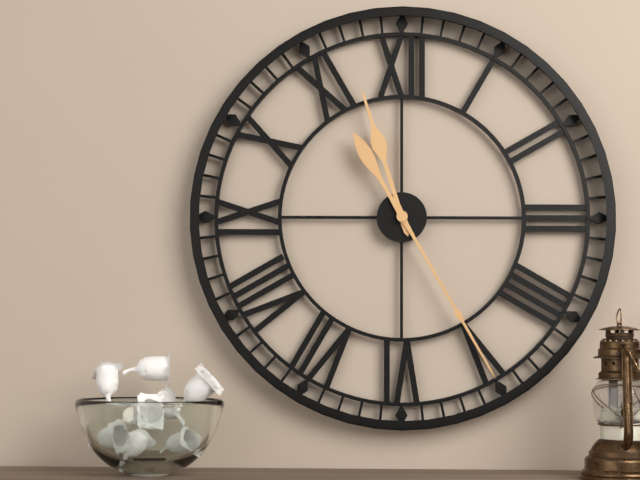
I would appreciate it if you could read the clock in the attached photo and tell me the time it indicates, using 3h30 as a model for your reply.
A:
11h25
